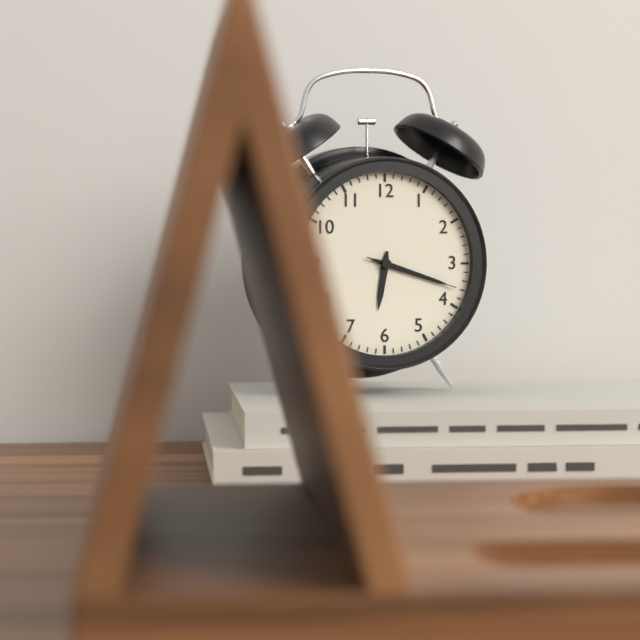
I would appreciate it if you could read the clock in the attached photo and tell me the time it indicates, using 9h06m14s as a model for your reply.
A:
6h18m18s
